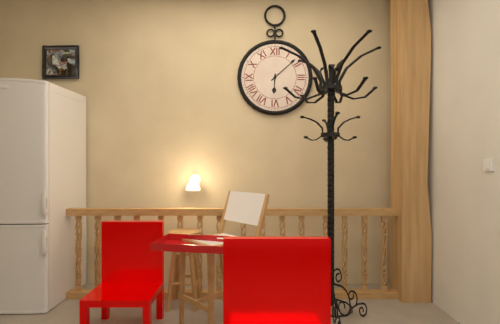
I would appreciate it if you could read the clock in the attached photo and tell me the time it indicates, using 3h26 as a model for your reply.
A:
6h08
